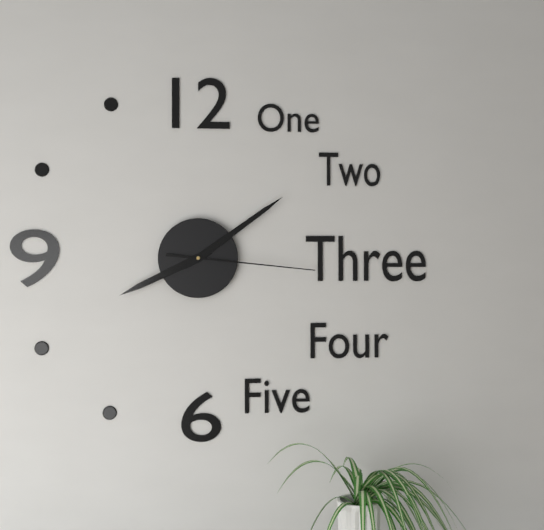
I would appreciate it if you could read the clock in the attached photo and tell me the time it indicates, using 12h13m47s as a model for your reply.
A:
8h09m16s
